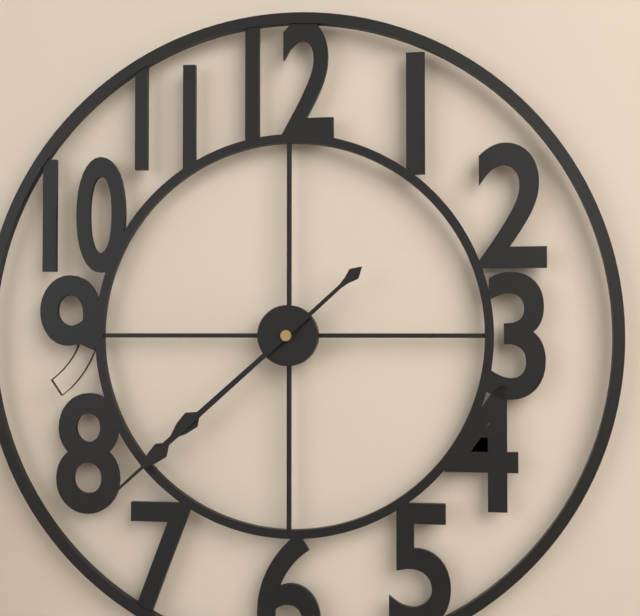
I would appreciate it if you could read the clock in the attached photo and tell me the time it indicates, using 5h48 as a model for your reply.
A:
7h38
